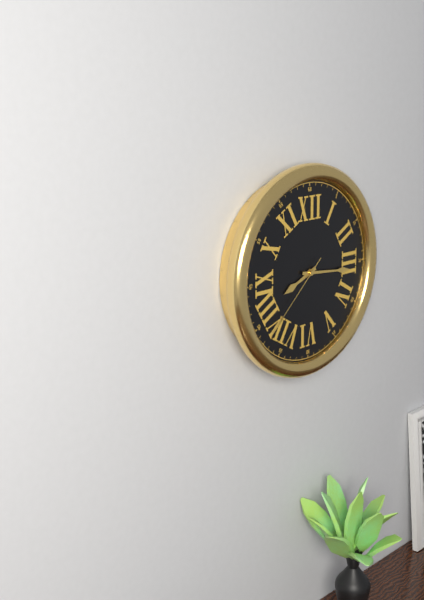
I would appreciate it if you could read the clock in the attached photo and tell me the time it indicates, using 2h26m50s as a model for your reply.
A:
8h16m38s
